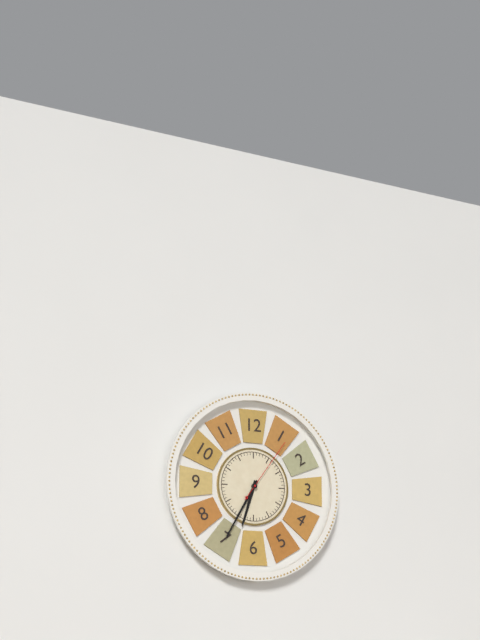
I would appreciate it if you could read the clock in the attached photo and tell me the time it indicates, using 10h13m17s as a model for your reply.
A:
6h35m06s
